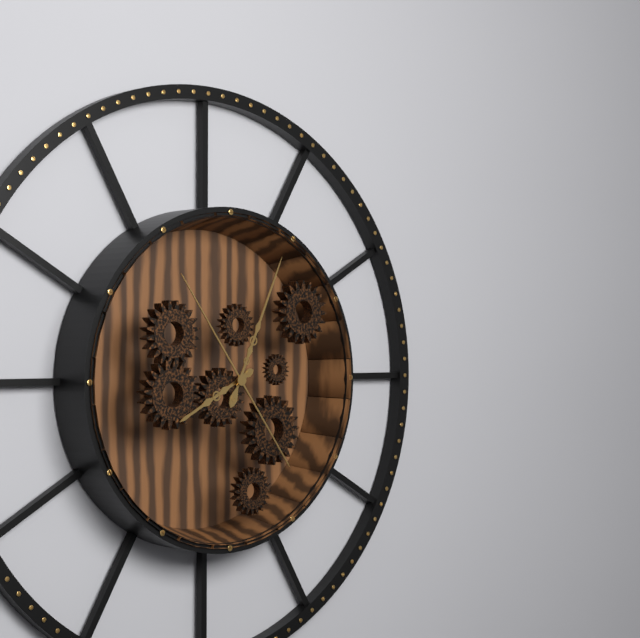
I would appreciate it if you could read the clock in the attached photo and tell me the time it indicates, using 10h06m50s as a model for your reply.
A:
8h04m54s
